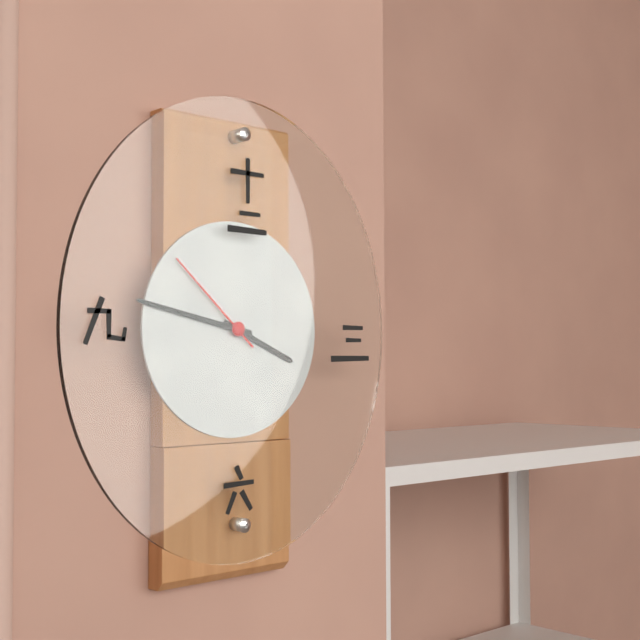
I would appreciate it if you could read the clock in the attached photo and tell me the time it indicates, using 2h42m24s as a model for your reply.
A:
3h47m52s
